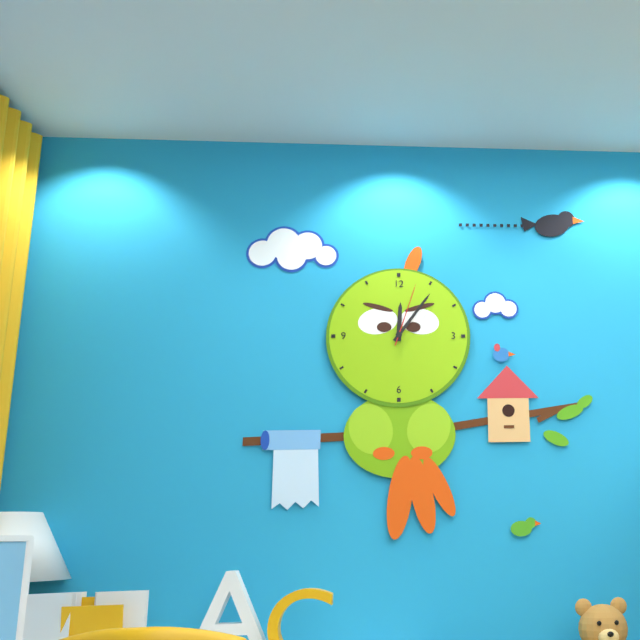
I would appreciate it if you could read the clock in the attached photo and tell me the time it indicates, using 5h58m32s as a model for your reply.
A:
12h06m03s
